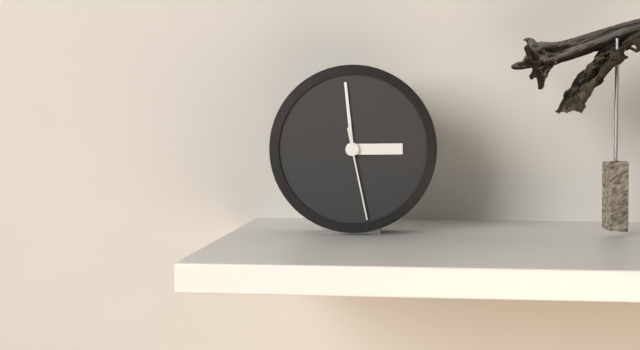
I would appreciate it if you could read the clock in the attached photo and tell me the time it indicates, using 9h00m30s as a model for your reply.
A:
2h59m28s
